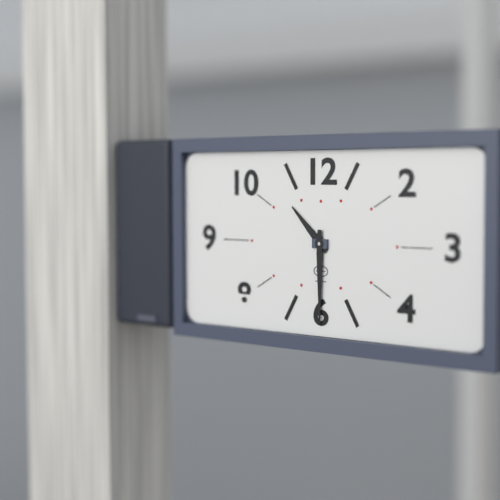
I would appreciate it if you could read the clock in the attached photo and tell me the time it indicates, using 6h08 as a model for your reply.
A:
10h30
